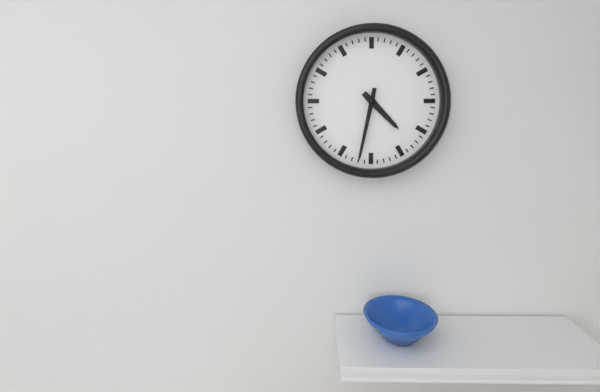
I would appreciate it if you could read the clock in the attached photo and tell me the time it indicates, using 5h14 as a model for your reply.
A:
4h32
